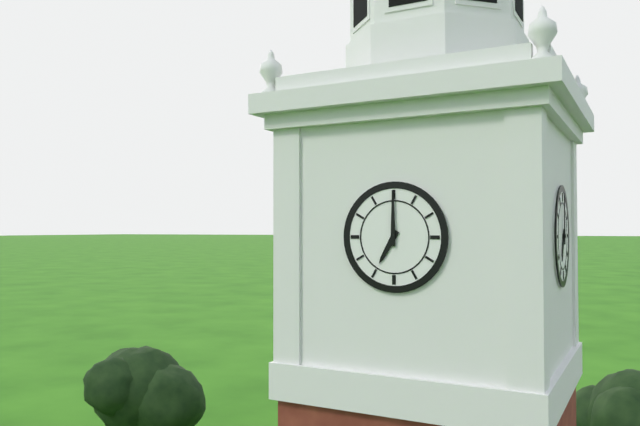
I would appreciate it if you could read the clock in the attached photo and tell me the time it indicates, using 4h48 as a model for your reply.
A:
7h00
